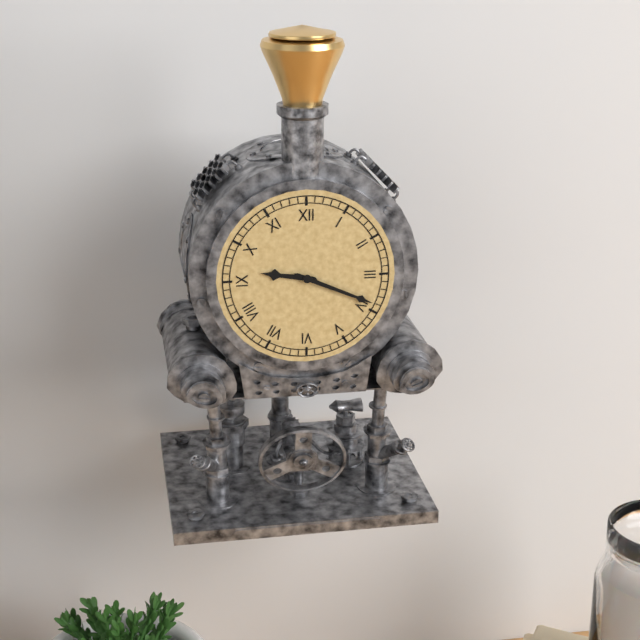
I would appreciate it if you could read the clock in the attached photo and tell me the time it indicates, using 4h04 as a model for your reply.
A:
9h19
